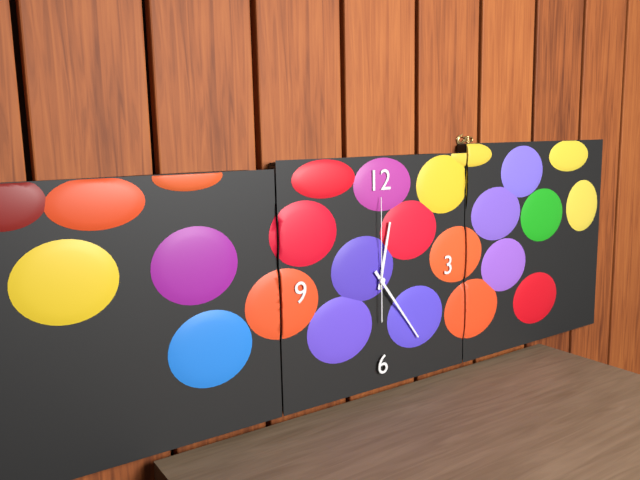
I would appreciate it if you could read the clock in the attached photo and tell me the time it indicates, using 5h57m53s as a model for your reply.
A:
12h24m00s
